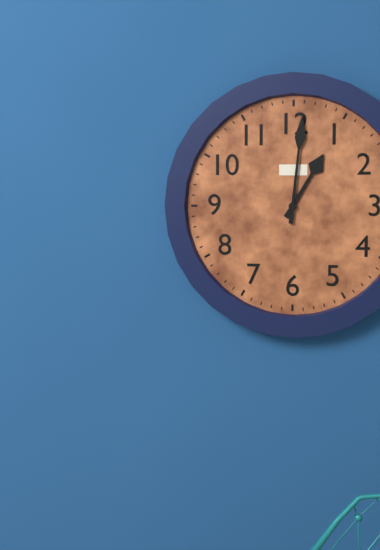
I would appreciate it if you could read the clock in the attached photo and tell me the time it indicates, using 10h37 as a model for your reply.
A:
1h01
